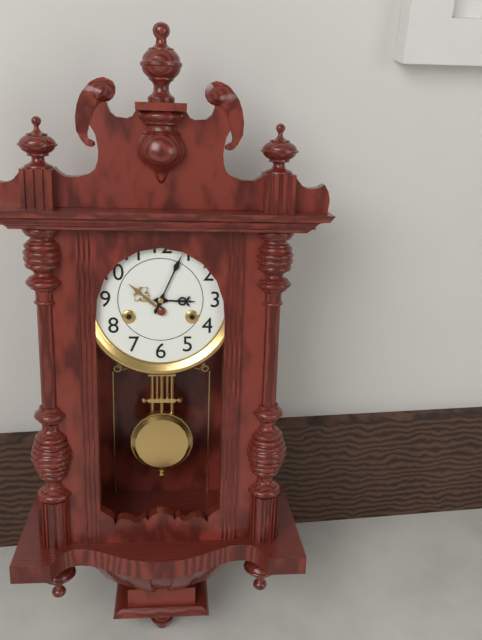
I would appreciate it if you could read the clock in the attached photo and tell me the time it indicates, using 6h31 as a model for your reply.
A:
3h04
